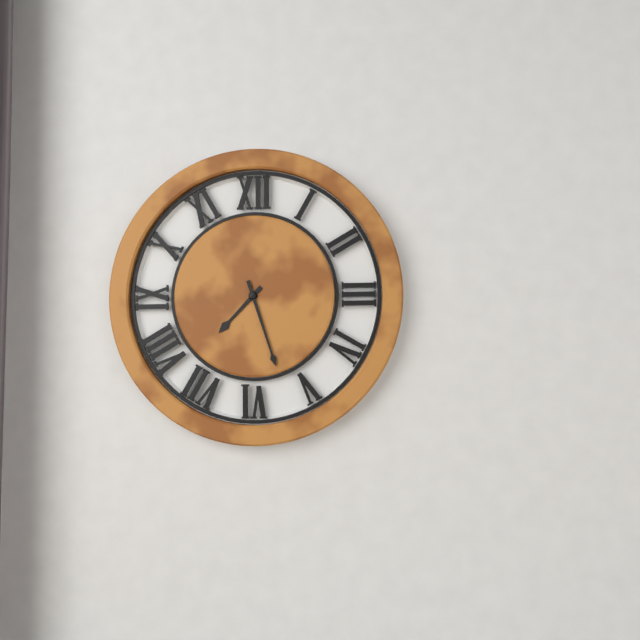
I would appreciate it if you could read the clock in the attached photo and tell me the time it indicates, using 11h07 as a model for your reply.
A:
7h27
